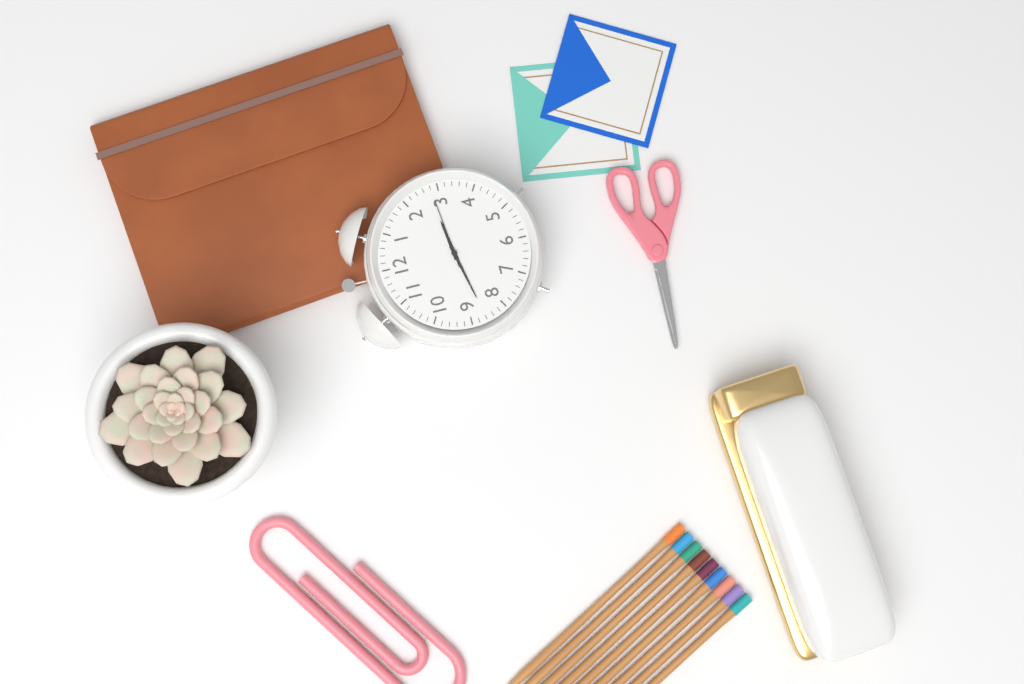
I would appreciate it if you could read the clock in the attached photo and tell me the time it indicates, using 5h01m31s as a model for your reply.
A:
2h43m14s
